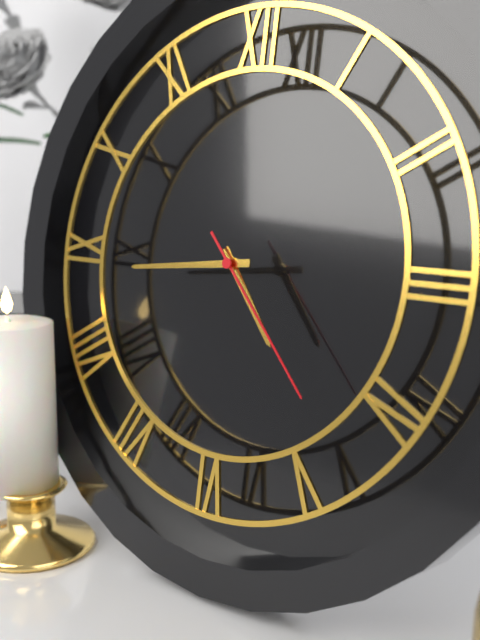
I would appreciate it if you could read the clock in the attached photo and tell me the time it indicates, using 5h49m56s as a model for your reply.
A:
4h44m23s
